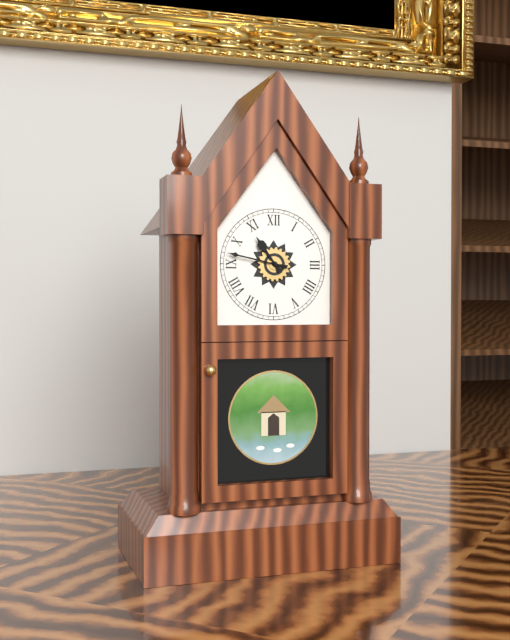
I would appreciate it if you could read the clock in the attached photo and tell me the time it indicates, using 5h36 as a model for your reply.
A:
10h47
